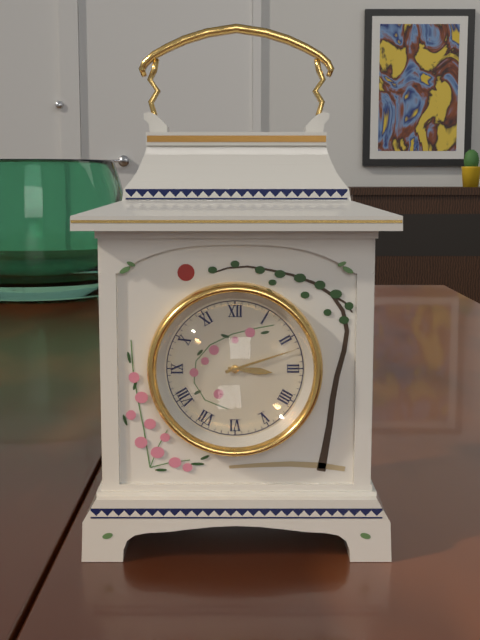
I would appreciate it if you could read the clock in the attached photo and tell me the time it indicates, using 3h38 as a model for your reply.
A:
3h12
